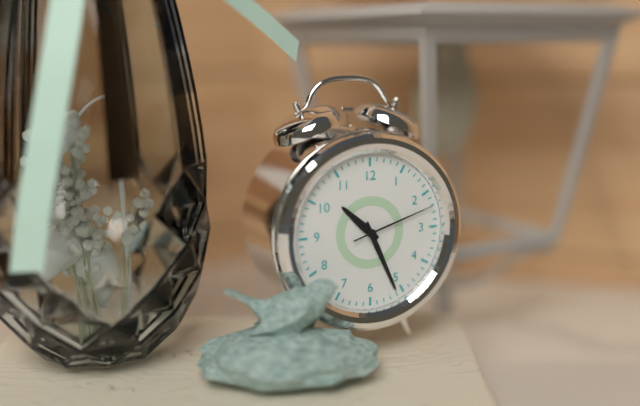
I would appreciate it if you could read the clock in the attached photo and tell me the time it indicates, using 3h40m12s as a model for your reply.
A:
10h26m12s
